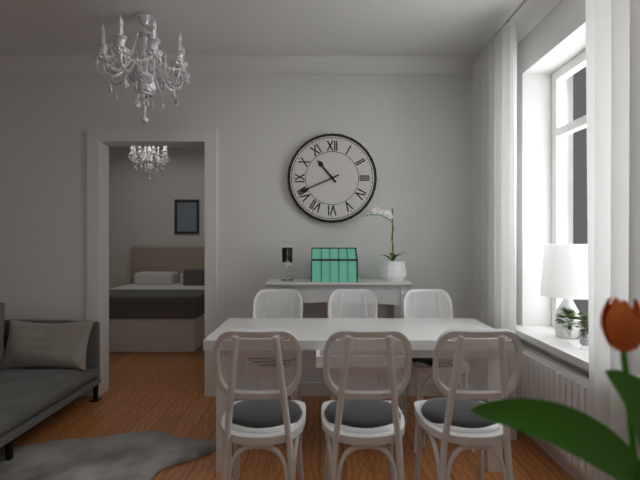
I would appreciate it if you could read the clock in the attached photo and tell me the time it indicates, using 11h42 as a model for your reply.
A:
10h41
